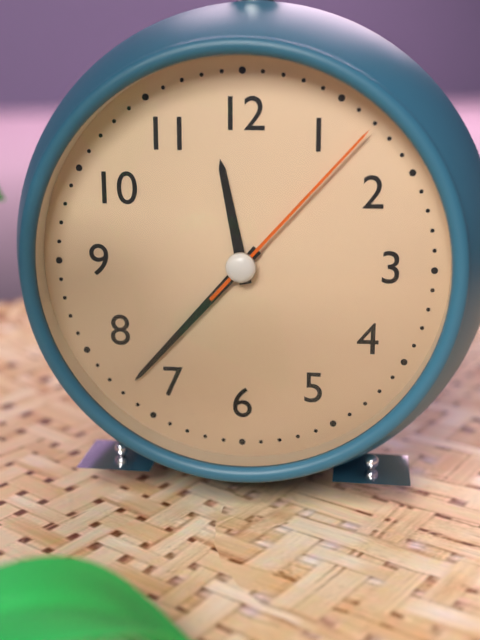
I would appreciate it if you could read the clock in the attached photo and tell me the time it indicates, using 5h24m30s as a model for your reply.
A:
11h37m07s
